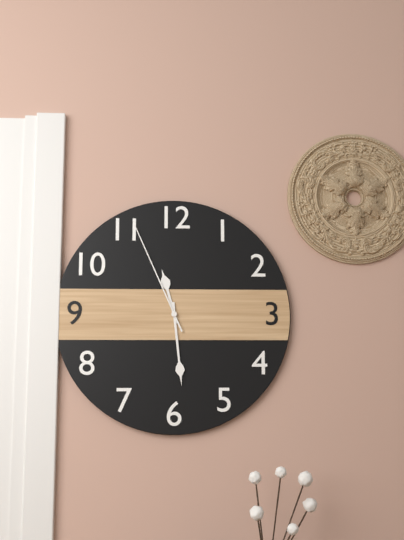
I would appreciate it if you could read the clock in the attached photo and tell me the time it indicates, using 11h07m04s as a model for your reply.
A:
11h29m56s
